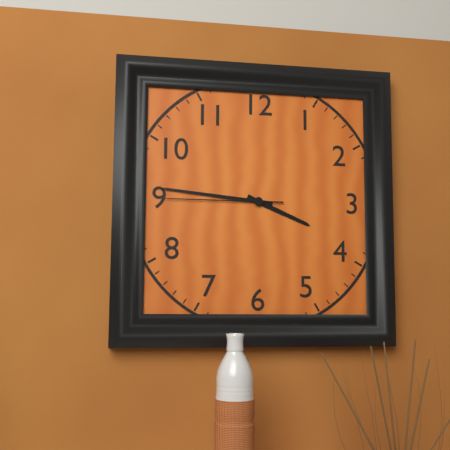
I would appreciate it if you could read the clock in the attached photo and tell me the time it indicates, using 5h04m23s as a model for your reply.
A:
3h46m45s
